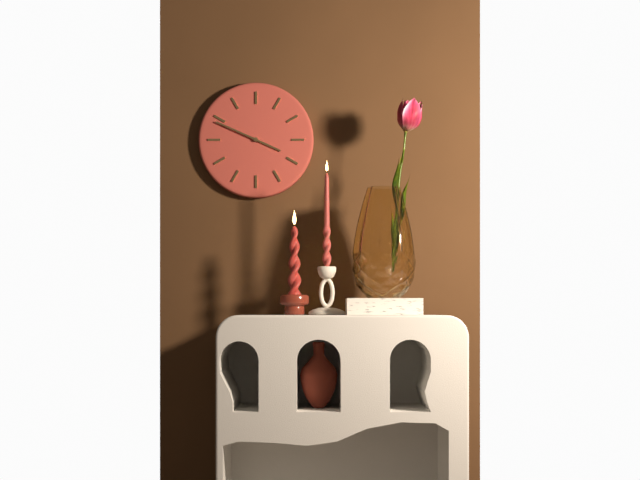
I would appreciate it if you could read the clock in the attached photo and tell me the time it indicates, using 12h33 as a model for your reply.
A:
3h49
